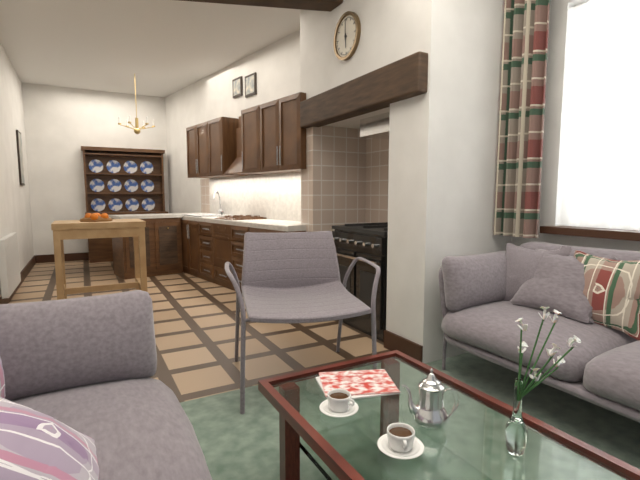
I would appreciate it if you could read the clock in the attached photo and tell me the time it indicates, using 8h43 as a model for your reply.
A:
6h00
